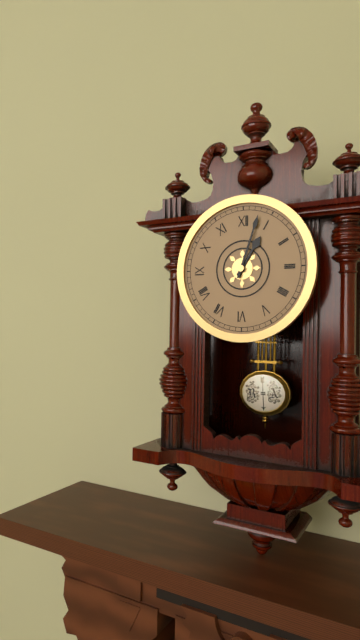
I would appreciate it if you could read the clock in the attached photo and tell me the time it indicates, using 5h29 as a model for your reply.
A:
1h03
